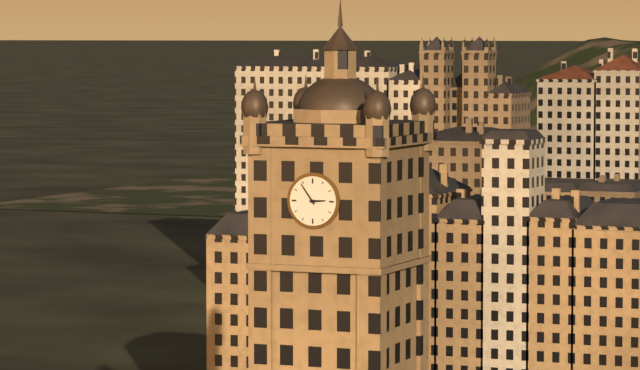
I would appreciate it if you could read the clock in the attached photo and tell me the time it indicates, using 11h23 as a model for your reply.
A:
2h54
